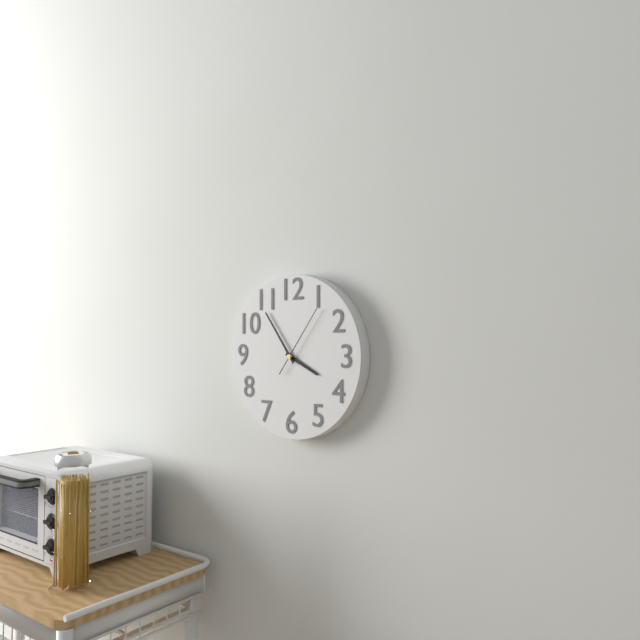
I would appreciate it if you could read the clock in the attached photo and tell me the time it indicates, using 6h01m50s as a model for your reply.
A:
3h54m06s
